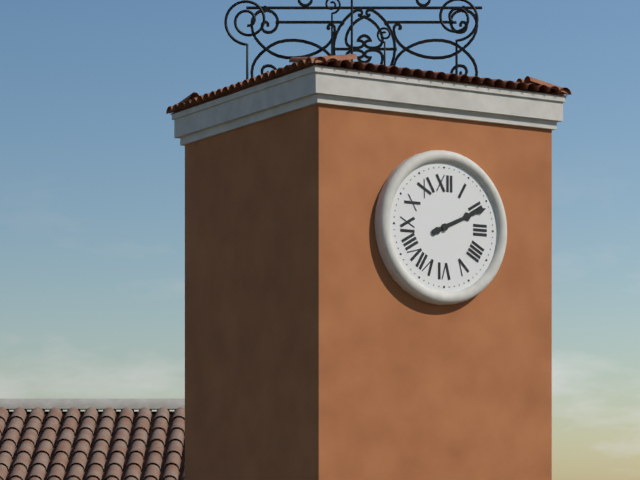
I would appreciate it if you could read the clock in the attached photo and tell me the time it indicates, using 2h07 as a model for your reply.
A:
2h11
